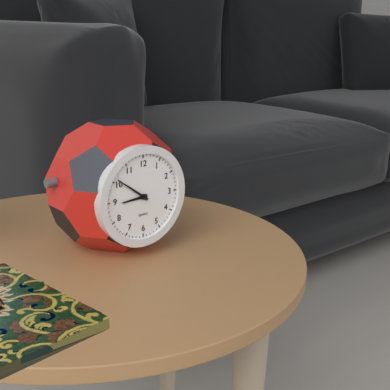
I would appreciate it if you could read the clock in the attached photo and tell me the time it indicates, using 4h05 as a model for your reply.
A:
8h51
